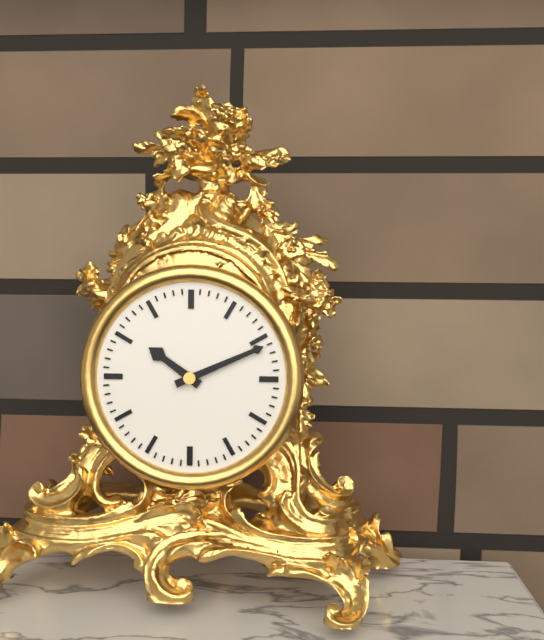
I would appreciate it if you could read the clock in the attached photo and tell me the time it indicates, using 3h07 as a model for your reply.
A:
10h11
